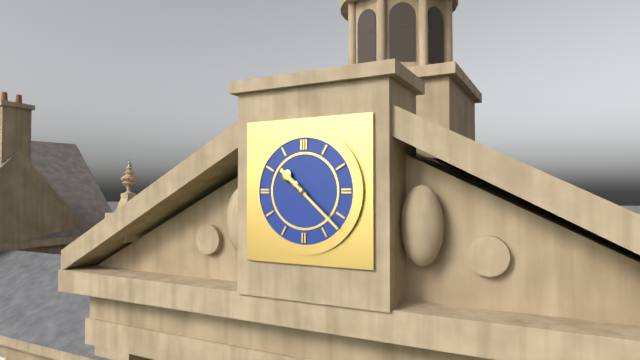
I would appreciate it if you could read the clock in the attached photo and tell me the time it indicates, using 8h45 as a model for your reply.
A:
10h22
